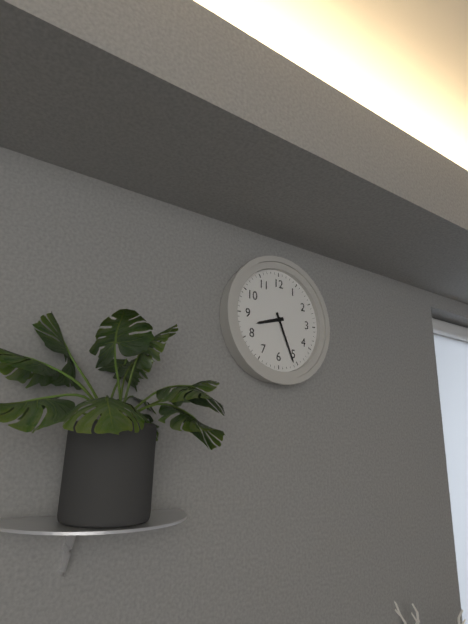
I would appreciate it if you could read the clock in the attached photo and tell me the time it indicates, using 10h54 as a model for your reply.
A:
8h26
